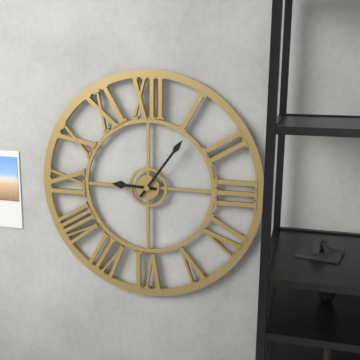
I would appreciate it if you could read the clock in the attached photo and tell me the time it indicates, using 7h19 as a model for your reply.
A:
9h06
